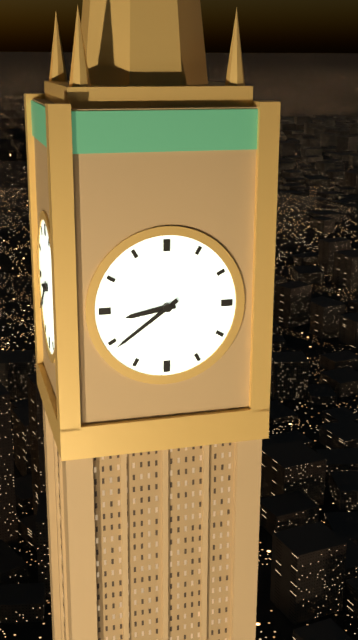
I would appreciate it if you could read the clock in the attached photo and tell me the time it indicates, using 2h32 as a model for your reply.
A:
8h39
